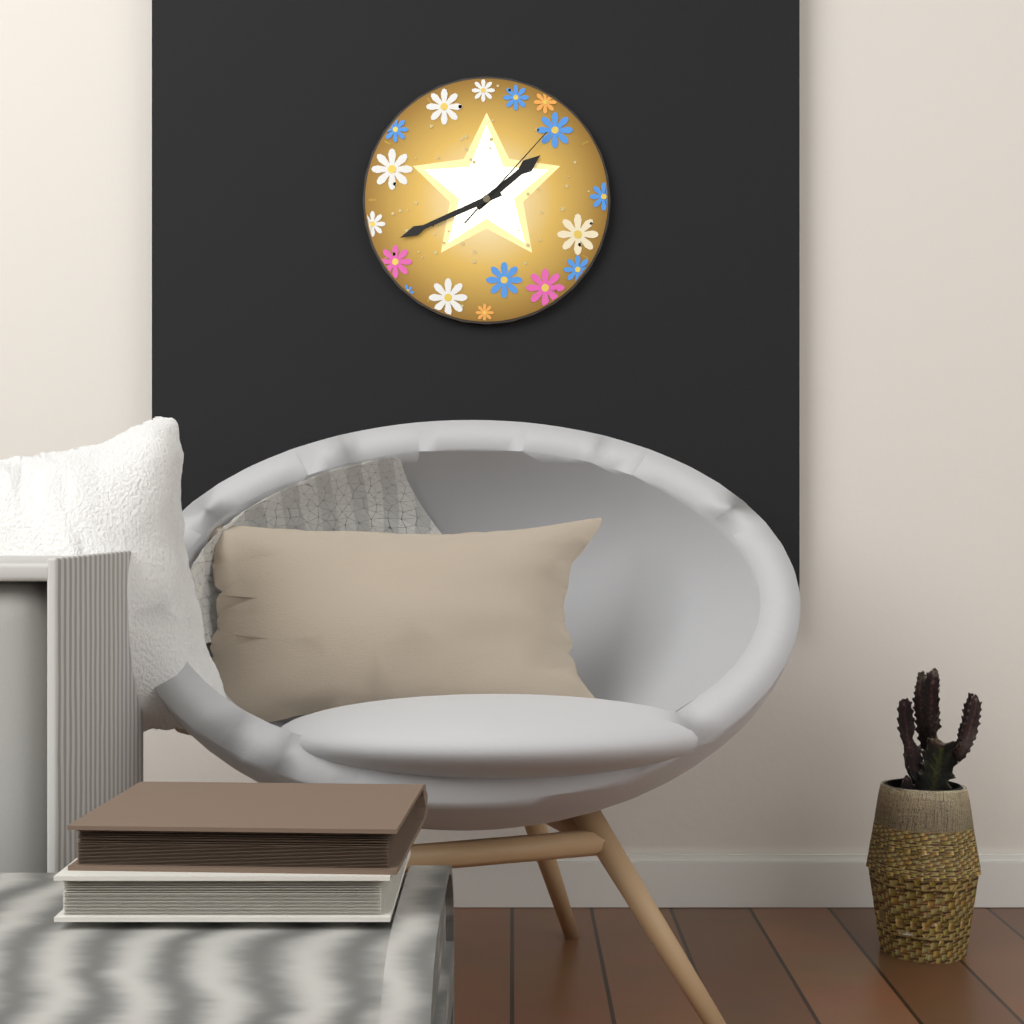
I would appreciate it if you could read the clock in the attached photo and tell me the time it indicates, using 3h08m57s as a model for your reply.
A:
1h41m07s
